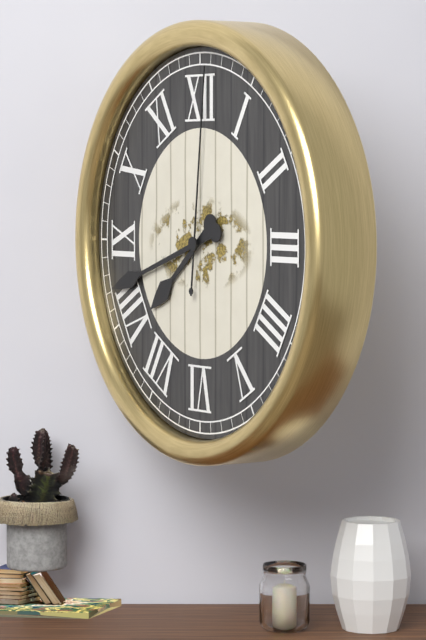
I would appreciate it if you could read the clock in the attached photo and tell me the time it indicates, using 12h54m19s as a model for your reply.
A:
7h42m01s
